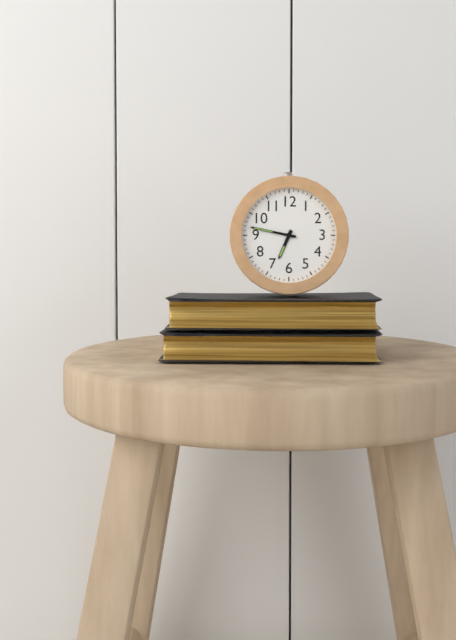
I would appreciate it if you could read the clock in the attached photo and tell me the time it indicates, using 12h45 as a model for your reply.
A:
6h47
